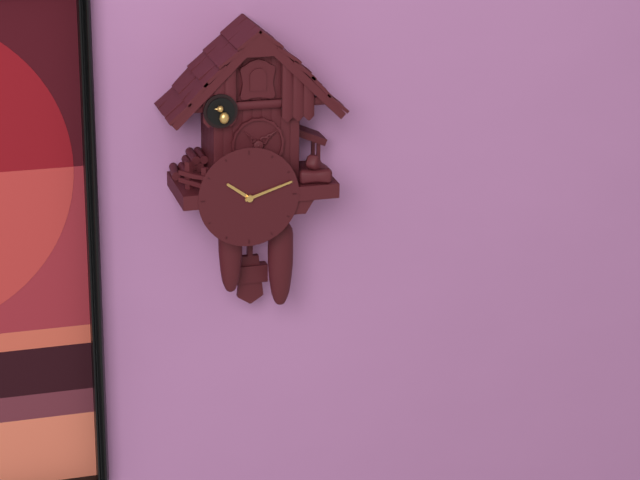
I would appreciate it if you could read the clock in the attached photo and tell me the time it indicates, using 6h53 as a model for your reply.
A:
10h12
